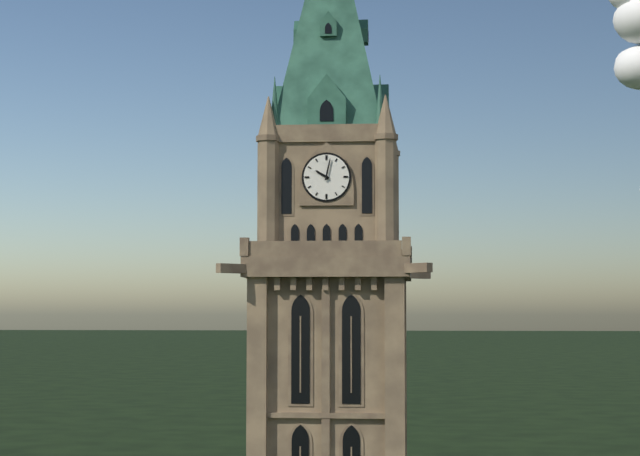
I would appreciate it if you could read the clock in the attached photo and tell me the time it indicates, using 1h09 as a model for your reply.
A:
10h02
